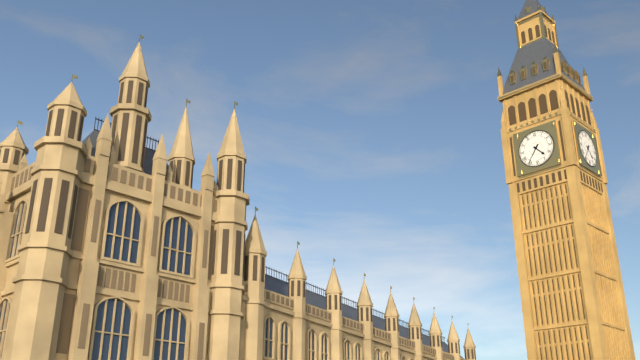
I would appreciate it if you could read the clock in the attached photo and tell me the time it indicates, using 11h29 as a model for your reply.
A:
4h36
